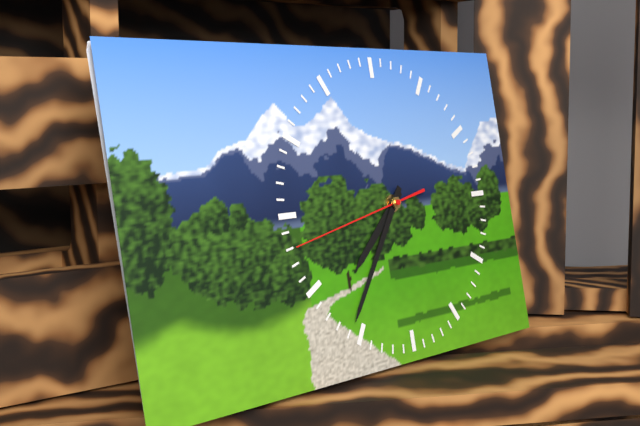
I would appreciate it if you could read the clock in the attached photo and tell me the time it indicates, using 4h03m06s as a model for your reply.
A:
7h36m43s
